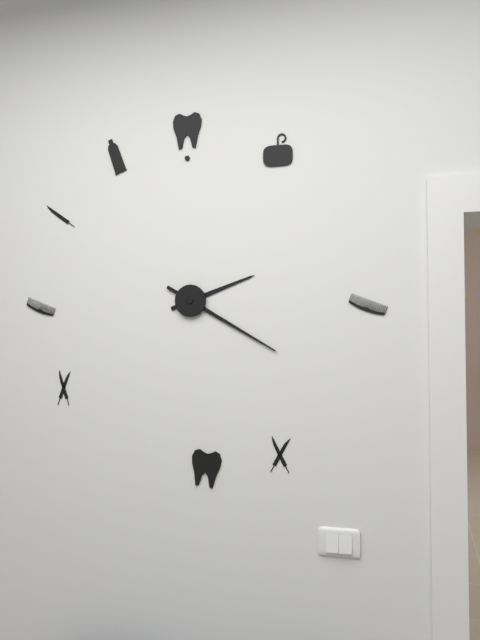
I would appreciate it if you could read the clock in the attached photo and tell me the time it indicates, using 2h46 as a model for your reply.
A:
2h20
